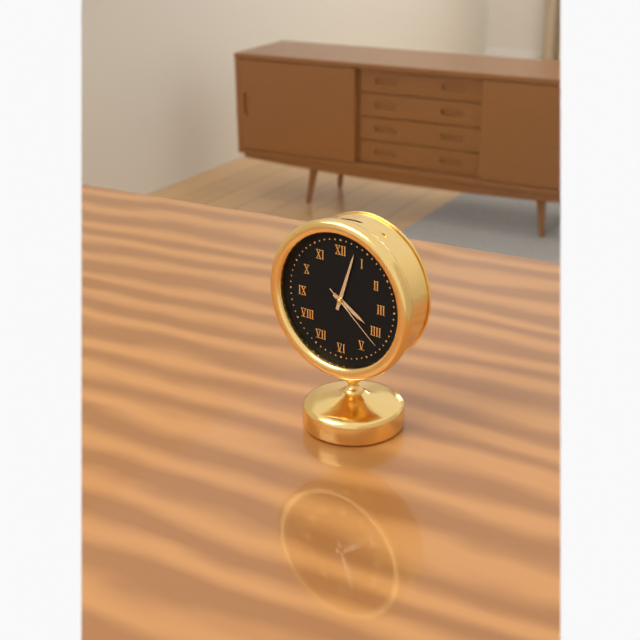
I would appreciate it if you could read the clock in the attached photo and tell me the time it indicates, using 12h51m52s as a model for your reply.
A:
4h03m22s
